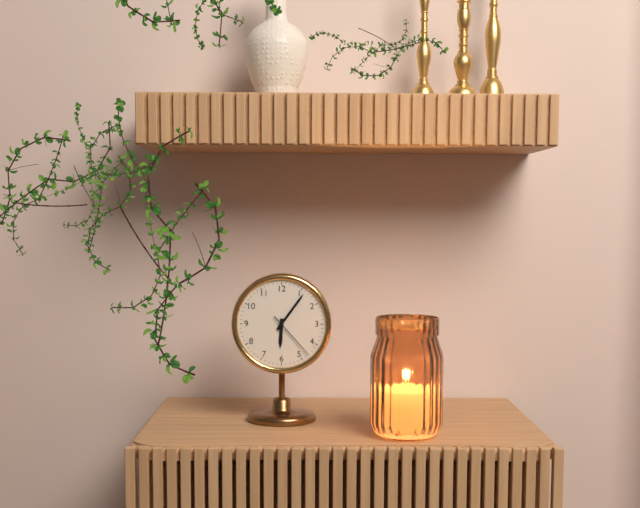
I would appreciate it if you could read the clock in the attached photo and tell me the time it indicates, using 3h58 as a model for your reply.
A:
6h06
